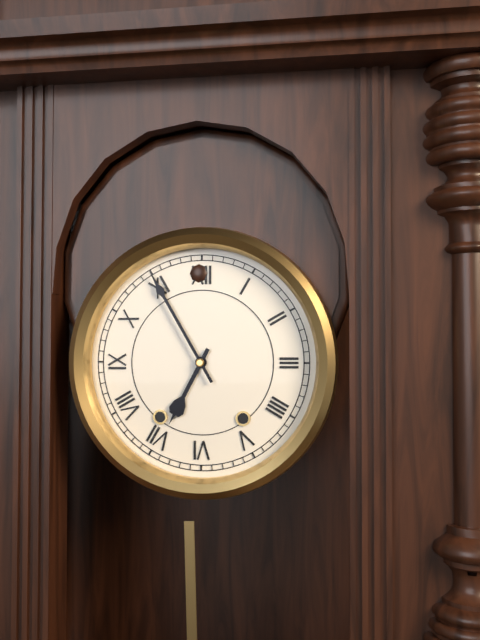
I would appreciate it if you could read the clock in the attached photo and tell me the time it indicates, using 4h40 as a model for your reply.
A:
6h55
